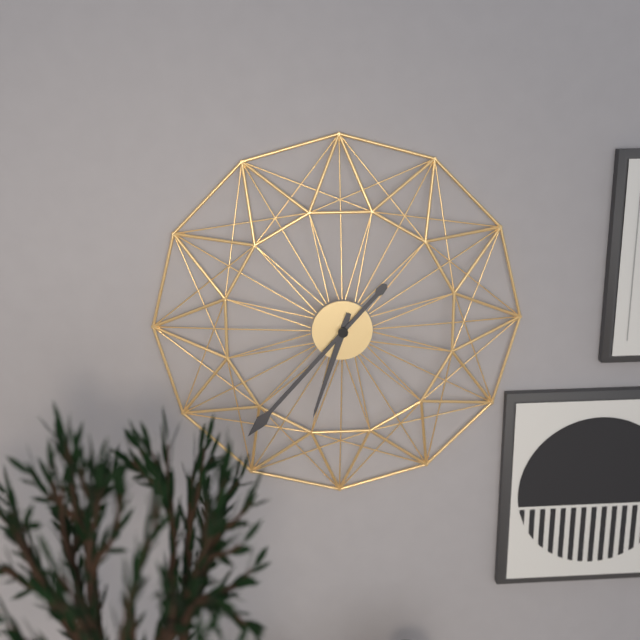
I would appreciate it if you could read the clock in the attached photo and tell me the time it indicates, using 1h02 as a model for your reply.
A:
6h37
